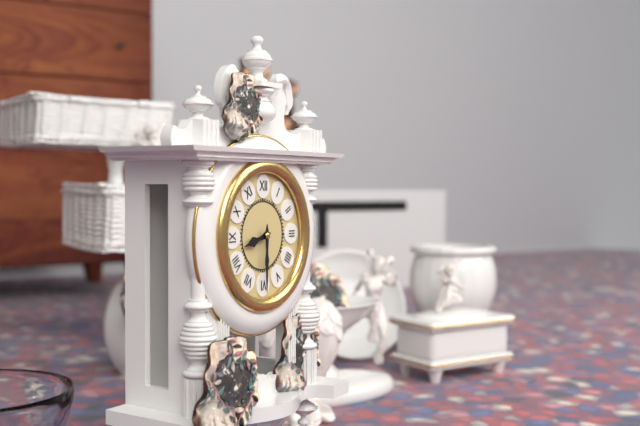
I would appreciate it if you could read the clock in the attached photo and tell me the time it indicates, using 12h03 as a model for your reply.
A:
8h30
